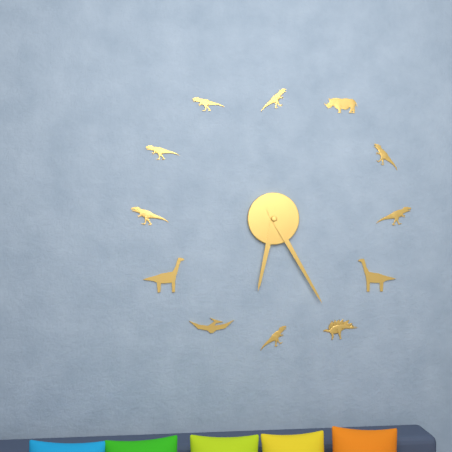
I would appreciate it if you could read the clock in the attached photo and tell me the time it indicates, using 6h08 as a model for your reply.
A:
6h25
